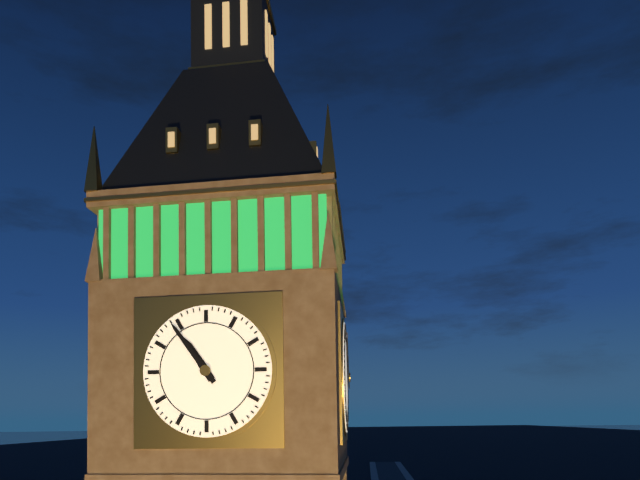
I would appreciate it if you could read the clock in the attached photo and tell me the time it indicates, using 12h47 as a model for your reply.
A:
10h54
